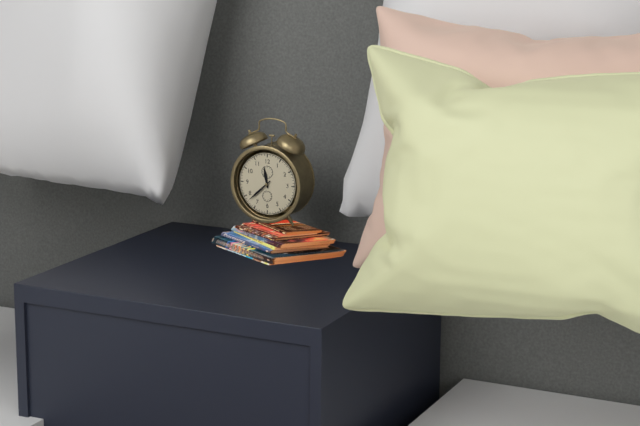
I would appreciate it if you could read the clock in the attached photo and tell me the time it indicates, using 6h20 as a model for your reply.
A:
11h38
